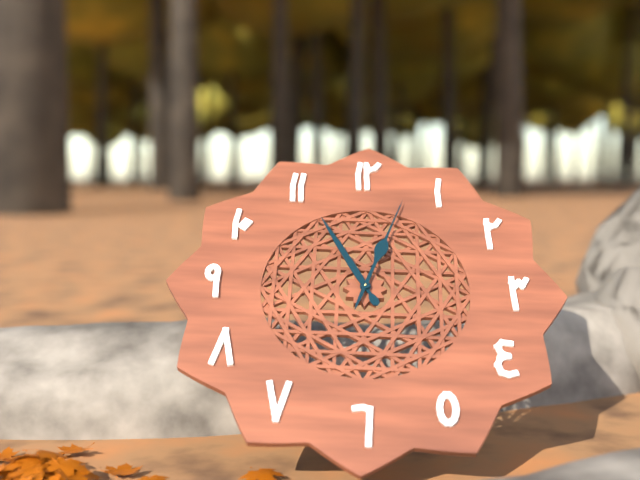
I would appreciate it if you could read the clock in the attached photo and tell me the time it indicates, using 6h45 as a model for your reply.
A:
11h03
